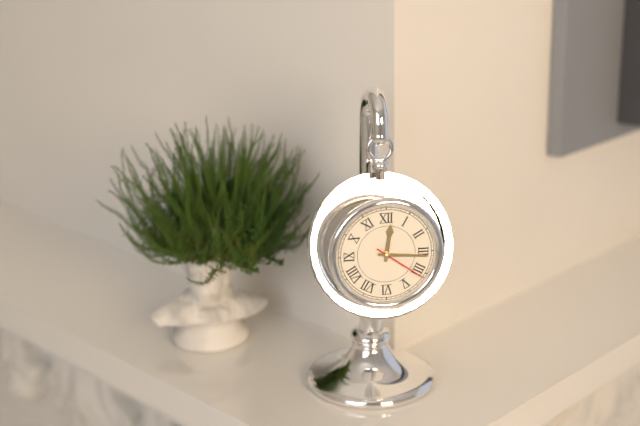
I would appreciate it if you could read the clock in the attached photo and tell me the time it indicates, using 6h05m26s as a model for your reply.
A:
12h16m21s
